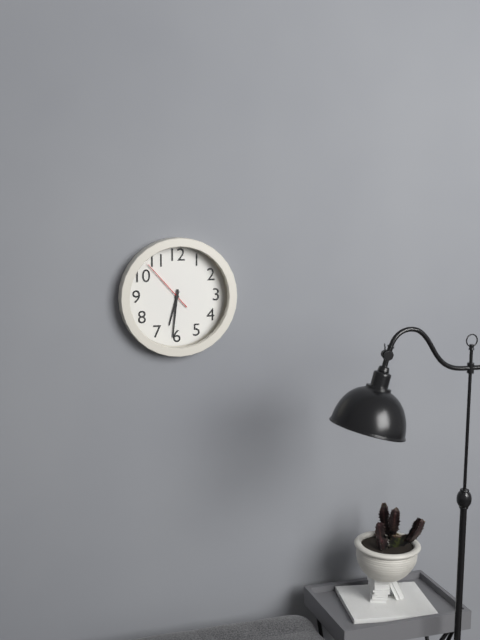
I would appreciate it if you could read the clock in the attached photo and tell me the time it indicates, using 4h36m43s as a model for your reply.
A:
6h31m53s
